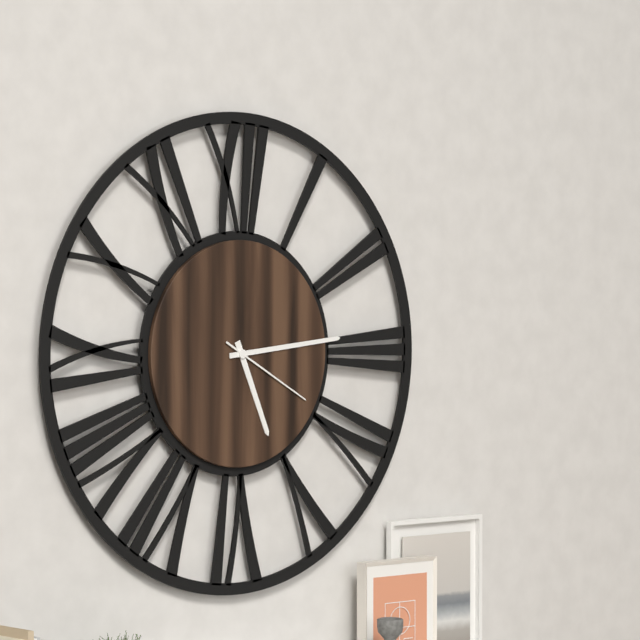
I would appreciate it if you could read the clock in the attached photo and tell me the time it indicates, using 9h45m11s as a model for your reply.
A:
5h14m20s
